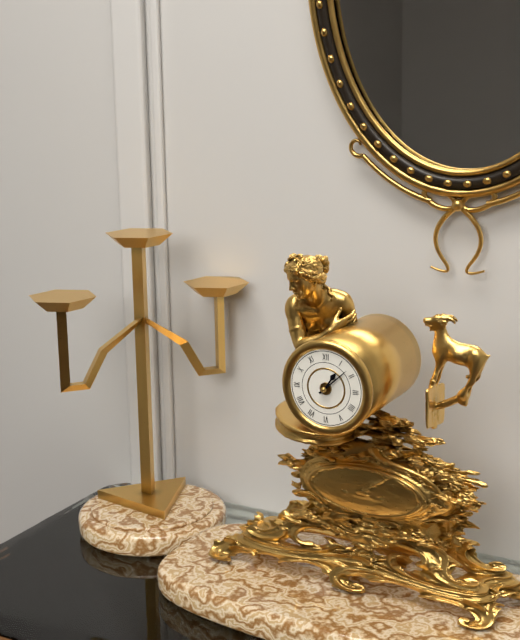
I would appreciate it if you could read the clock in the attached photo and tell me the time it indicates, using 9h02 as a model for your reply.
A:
1h08
